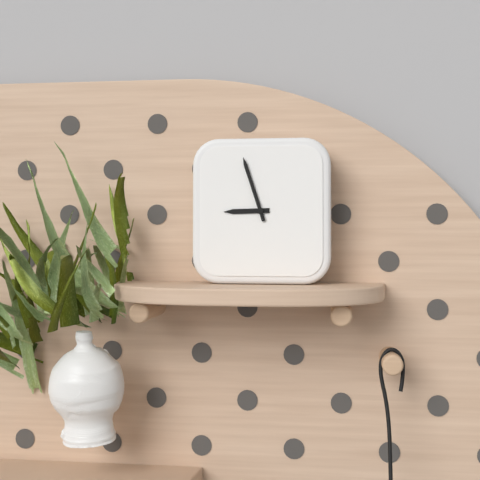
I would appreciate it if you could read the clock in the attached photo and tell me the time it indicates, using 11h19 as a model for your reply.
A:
8h57
